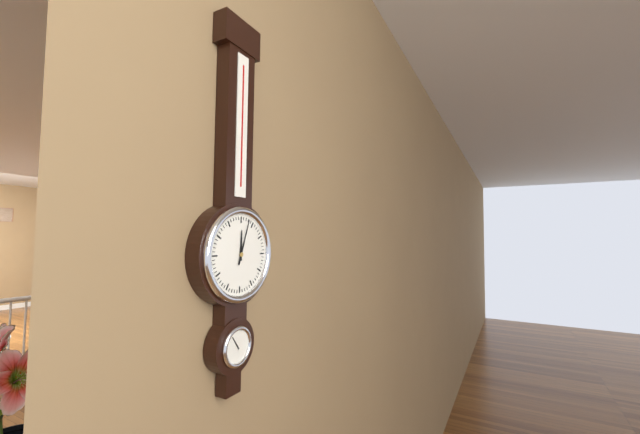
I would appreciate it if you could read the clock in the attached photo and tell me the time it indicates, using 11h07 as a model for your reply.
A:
12h03
